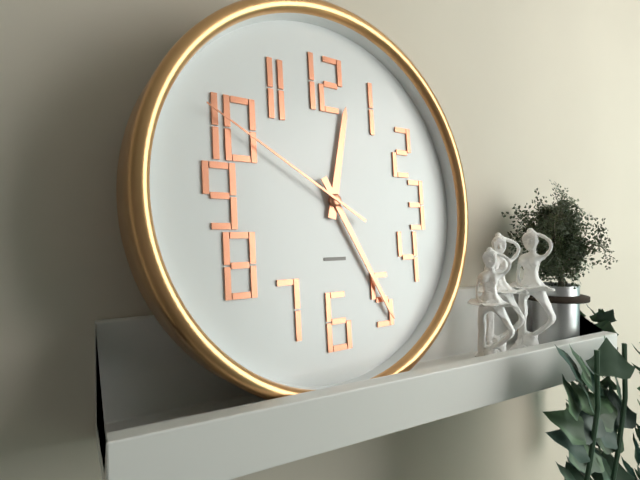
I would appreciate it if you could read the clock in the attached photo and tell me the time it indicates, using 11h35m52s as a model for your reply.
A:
12h25m50s
